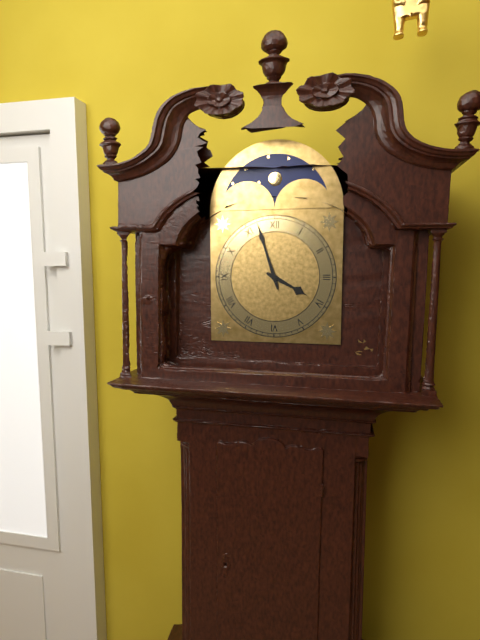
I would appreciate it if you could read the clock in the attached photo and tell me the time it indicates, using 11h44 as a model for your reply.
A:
3h57
